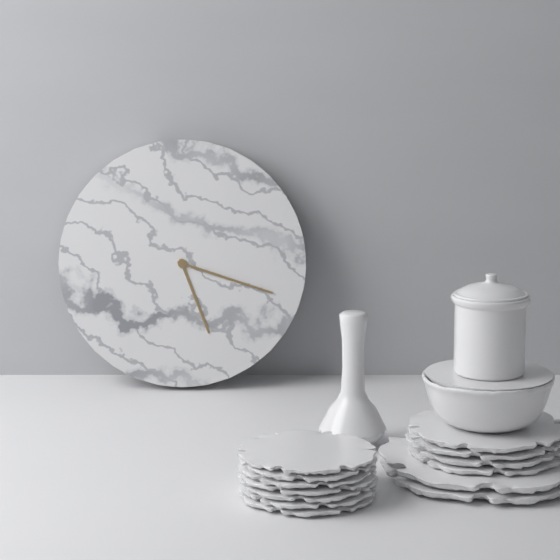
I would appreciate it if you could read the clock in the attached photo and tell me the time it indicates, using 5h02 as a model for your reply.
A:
5h18
